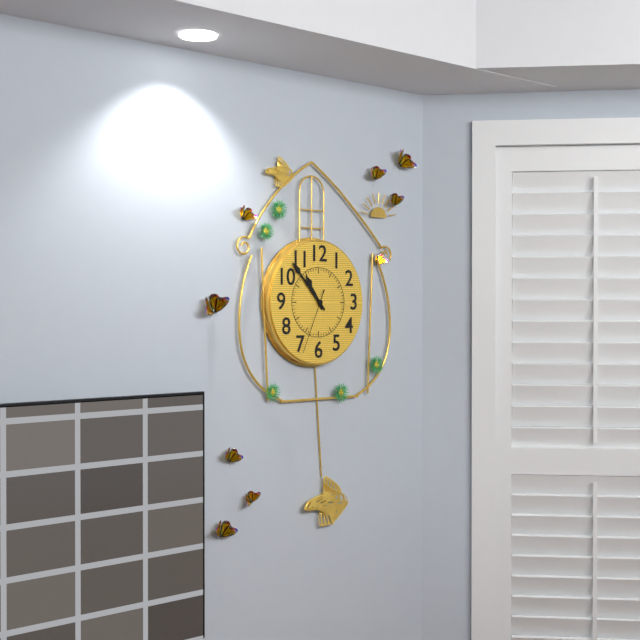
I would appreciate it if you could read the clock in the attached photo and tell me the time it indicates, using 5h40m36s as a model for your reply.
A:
10h53m34s
